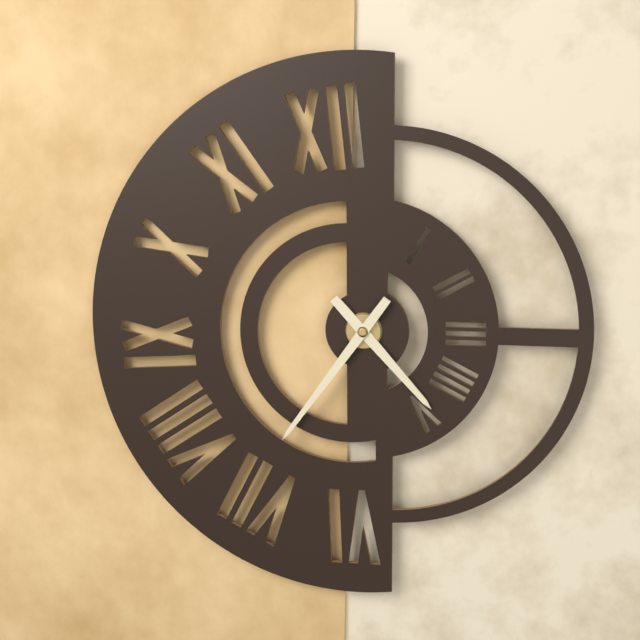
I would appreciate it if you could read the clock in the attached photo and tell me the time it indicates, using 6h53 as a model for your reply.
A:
4h36
